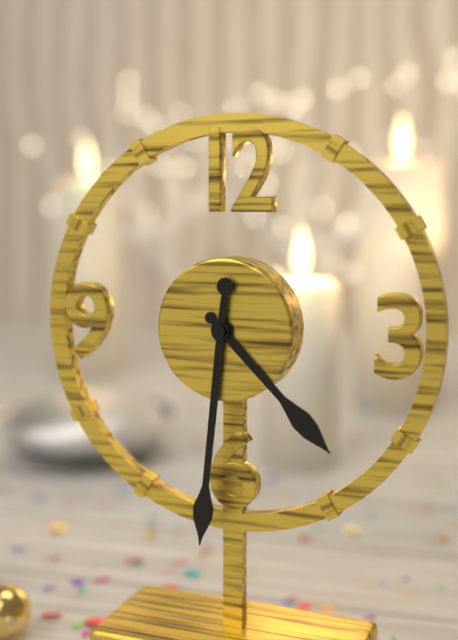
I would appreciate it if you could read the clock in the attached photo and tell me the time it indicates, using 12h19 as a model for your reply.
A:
4h31
